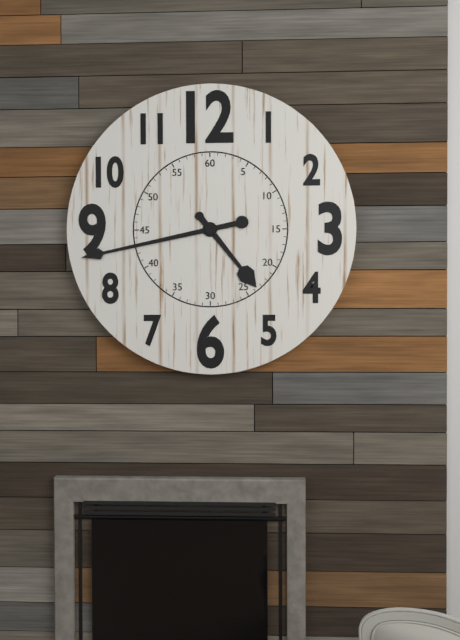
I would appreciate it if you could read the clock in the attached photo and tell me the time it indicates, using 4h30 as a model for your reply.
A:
4h43
